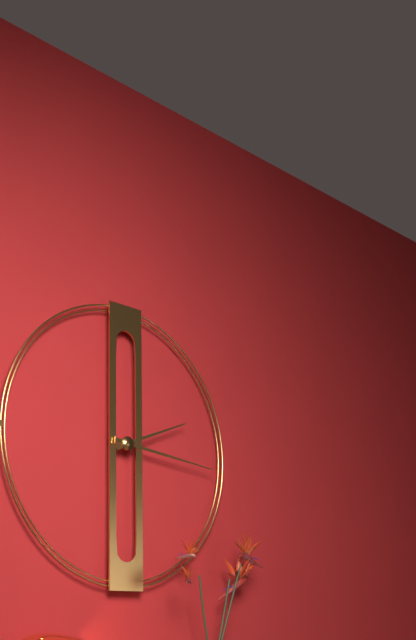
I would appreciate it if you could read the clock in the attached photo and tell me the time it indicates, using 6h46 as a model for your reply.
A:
2h16
